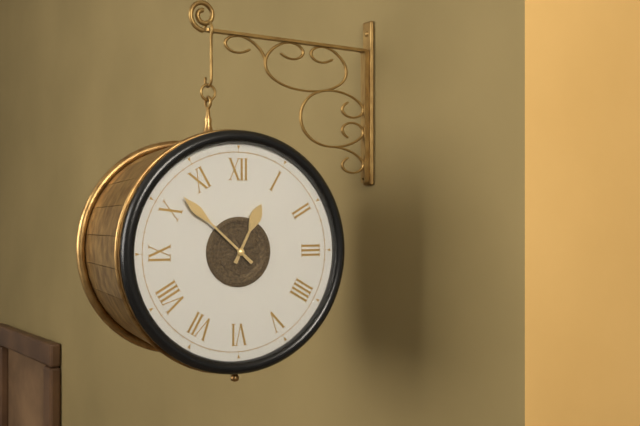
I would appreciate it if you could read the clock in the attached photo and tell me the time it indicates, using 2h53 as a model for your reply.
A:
12h52
